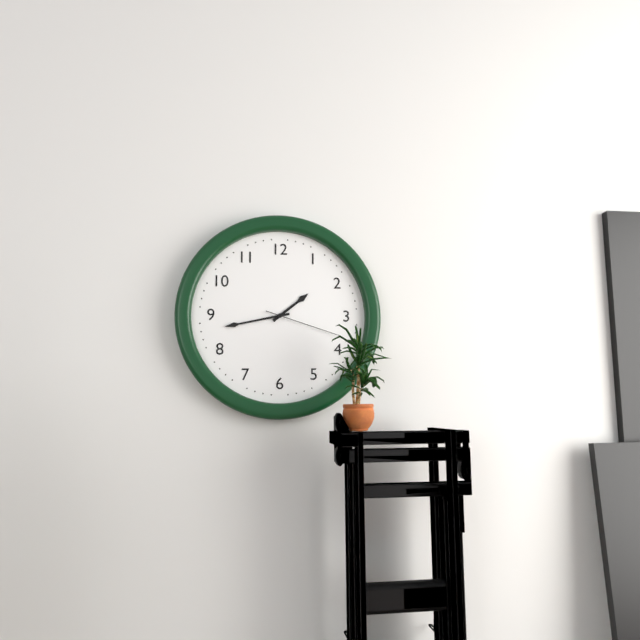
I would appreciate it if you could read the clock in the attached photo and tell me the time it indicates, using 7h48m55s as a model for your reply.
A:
1h43m18s
